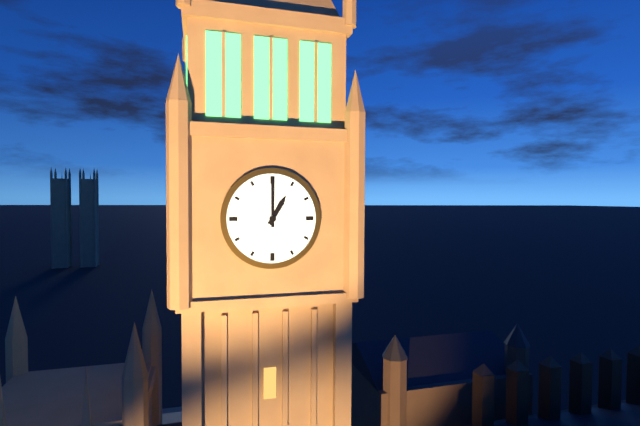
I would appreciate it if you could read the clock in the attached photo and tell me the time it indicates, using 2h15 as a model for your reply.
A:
1h00
